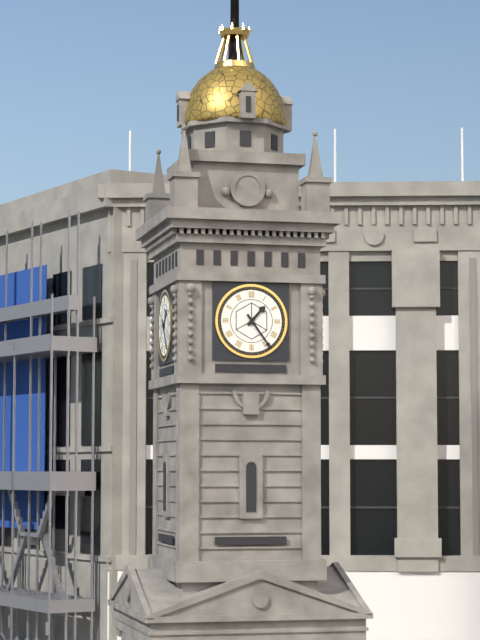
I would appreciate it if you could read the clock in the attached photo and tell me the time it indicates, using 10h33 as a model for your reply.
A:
1h24
